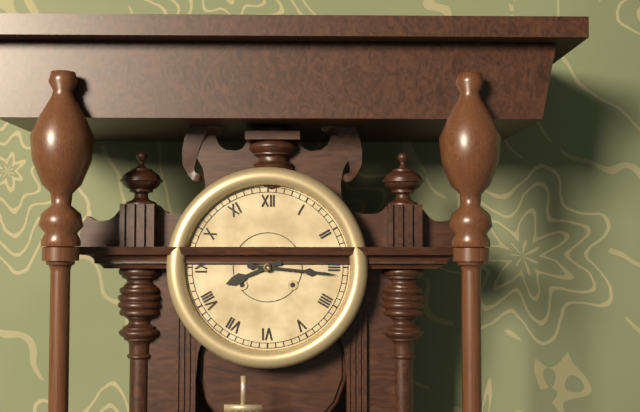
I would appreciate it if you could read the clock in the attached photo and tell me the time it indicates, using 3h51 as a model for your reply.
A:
8h16
